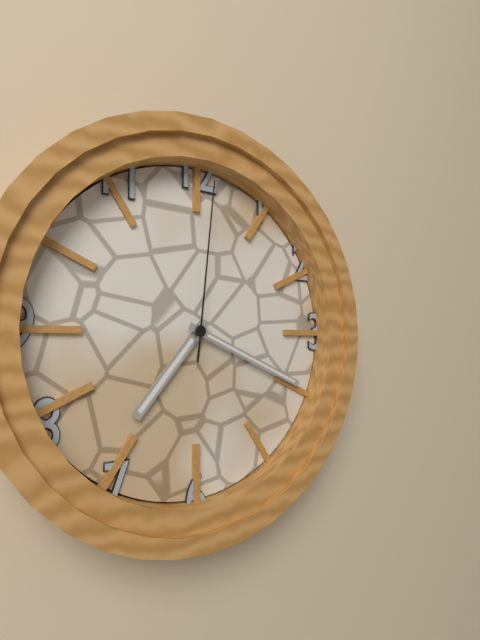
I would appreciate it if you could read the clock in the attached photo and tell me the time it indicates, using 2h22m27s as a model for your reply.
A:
7h19m01s
